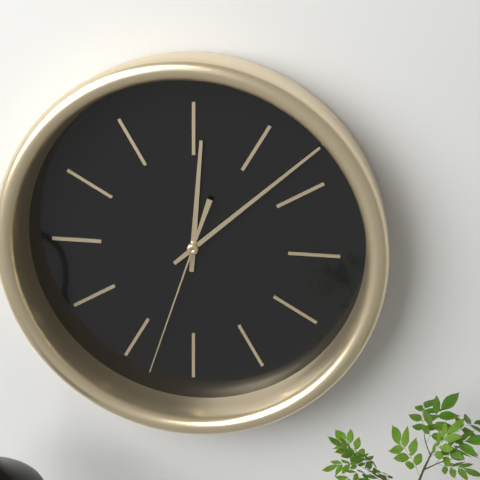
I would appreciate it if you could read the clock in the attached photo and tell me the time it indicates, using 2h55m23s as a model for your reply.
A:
12h08m33s
